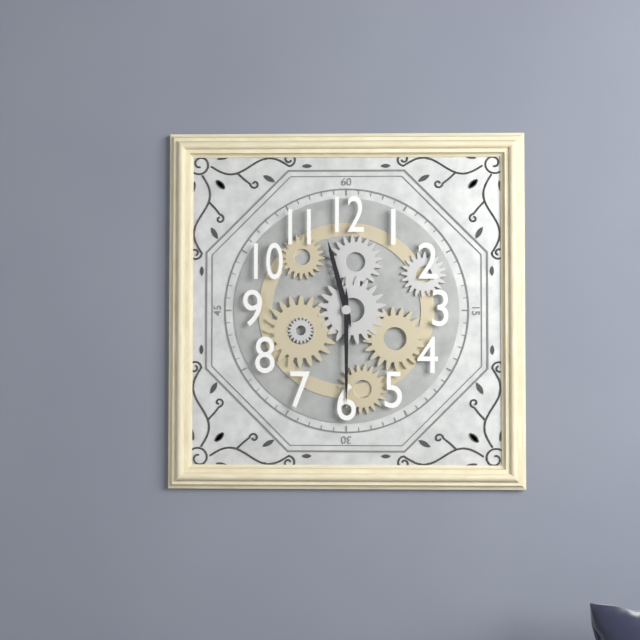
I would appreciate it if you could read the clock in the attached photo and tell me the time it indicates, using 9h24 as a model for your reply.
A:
11h30
